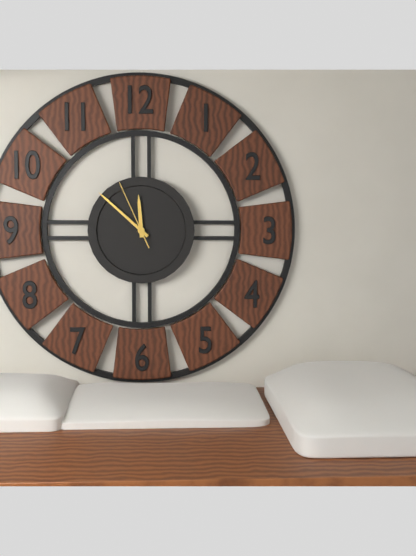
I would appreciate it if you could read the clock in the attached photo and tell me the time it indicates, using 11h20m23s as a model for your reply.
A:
11h52m56s
